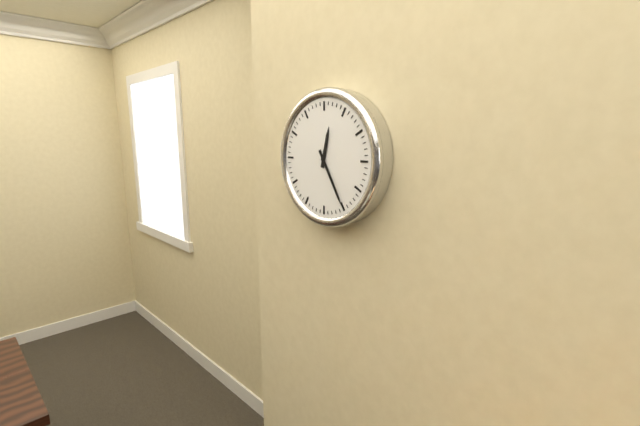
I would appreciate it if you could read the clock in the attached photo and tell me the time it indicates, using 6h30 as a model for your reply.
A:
12h25
